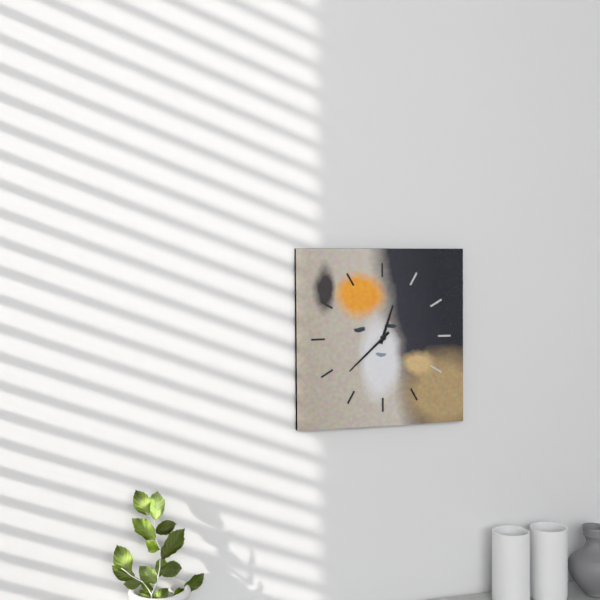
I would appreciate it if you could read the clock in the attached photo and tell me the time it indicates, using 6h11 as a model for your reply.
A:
12h38
